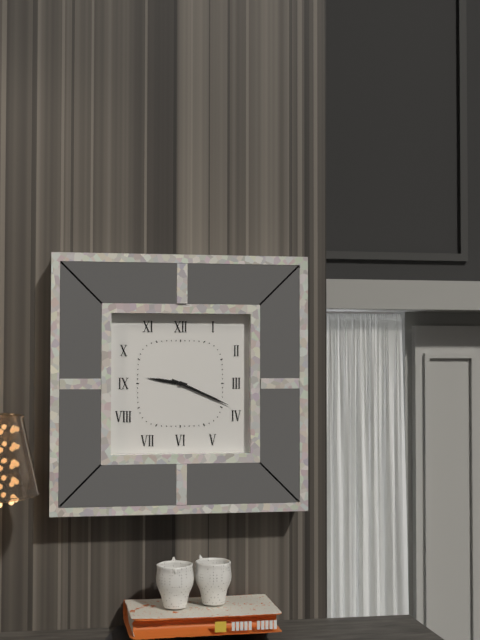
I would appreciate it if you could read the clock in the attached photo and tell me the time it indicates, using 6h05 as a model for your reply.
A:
9h19
